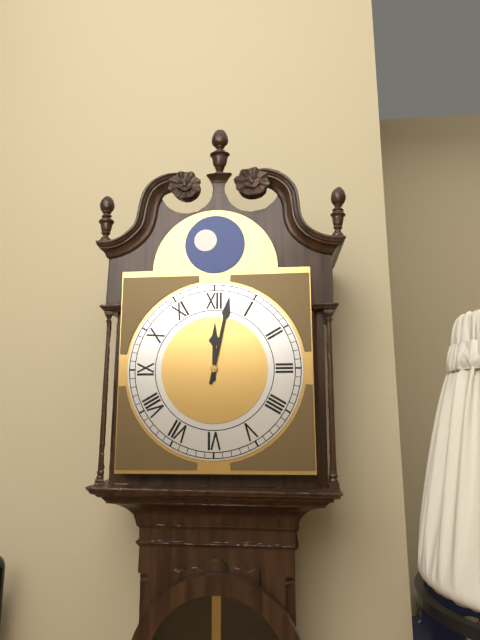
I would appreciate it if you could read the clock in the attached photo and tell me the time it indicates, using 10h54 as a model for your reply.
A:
12h02
